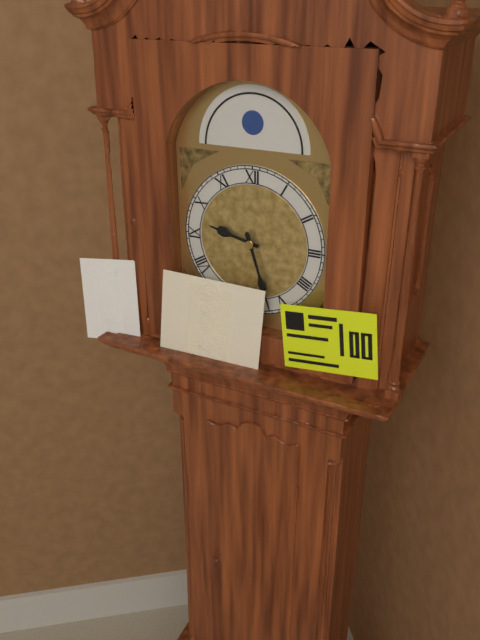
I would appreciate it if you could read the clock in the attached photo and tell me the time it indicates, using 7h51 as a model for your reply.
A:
9h27
